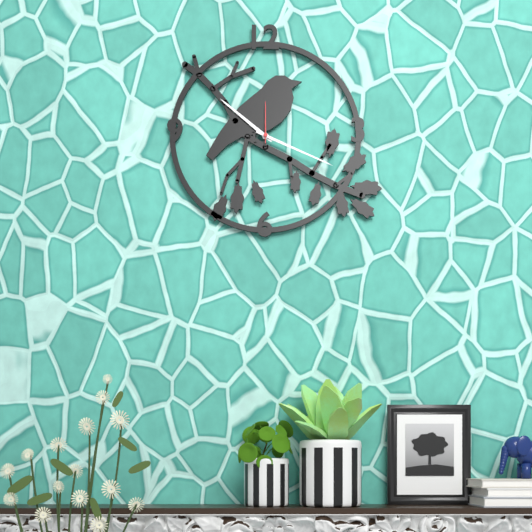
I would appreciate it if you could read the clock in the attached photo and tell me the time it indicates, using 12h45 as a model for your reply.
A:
10h19
